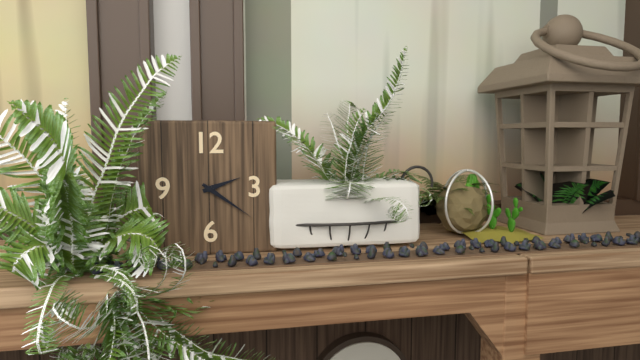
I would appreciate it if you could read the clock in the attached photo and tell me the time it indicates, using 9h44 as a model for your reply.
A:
2h21
